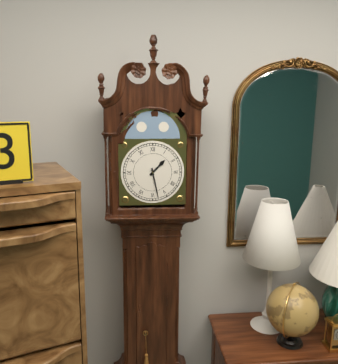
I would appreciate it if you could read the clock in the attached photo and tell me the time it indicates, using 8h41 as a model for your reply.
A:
1h28
